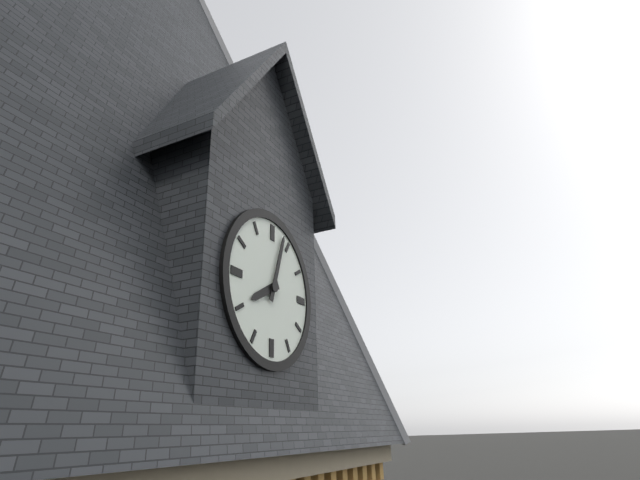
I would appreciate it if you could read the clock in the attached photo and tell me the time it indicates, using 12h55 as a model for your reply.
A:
8h03
